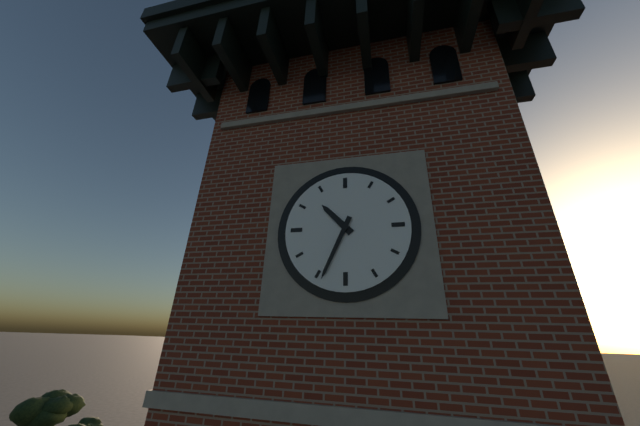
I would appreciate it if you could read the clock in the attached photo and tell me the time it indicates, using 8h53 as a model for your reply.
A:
10h34
